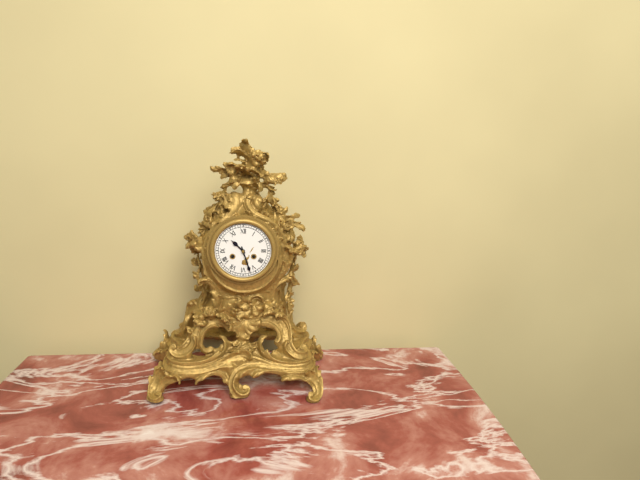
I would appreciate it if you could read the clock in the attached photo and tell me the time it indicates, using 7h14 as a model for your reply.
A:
10h27
